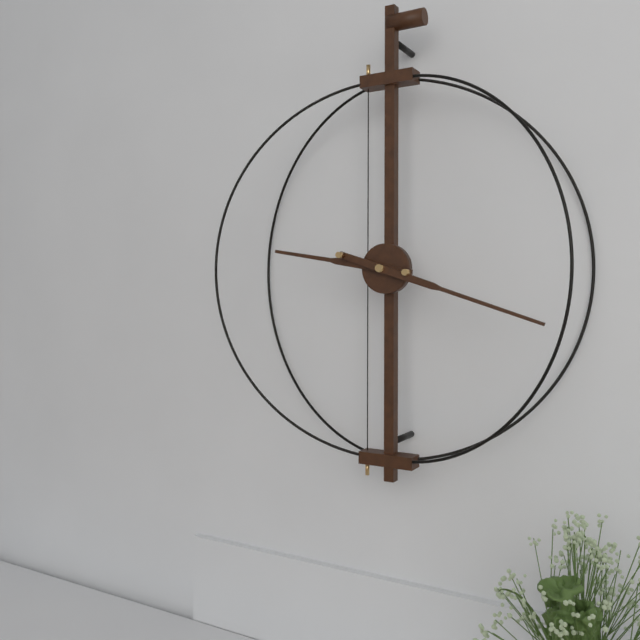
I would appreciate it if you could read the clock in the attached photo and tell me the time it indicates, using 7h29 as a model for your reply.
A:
9h18
